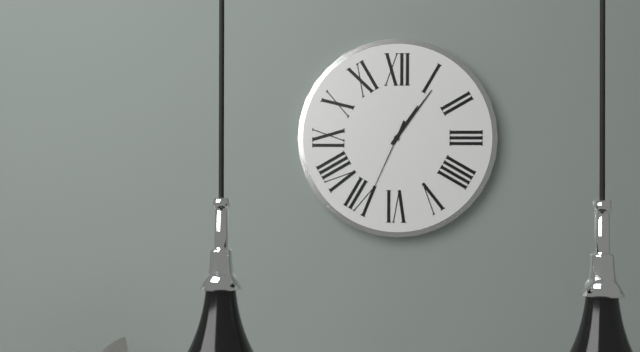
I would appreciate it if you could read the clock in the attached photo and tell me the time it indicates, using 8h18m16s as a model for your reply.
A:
1h06m34s
